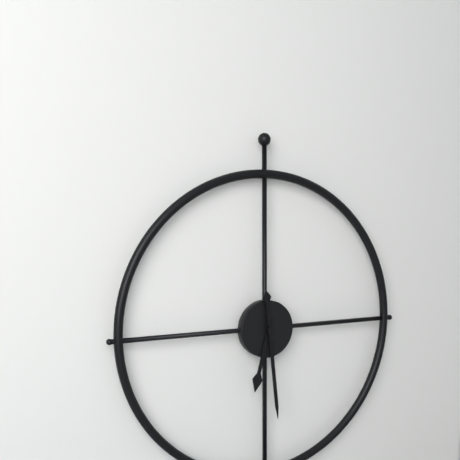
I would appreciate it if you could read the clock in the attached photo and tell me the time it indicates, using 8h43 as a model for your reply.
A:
6h29
